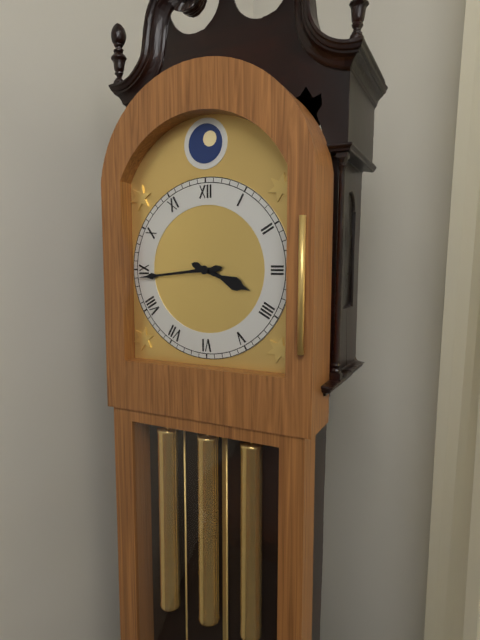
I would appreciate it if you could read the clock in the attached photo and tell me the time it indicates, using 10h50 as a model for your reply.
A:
3h44
